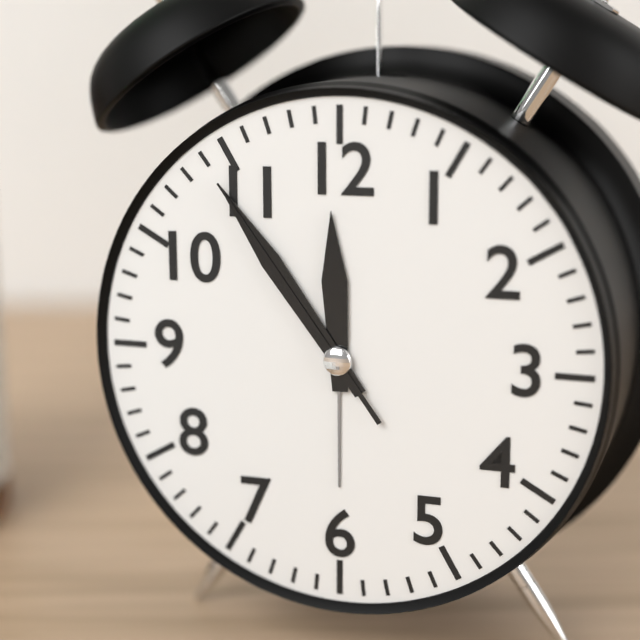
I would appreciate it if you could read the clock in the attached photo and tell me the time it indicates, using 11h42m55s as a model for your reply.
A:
11h54m54s
